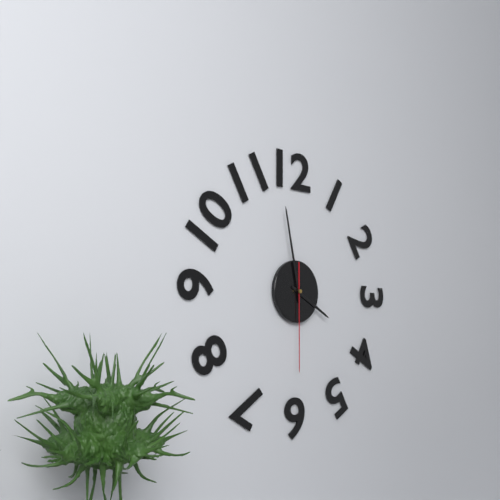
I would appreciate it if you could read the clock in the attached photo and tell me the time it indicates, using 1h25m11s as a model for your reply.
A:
3h58m30s
